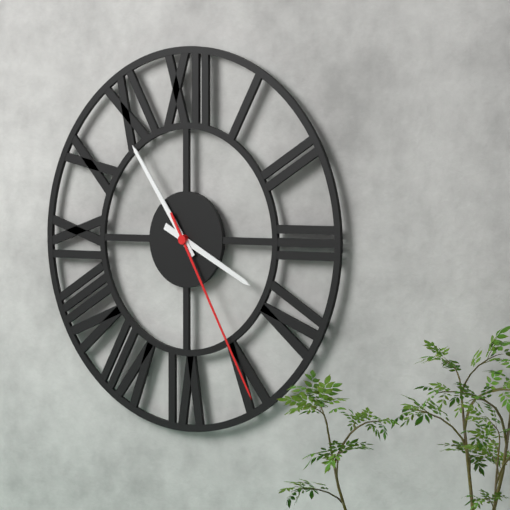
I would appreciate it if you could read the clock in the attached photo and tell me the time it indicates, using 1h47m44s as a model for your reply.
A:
3h54m25s
